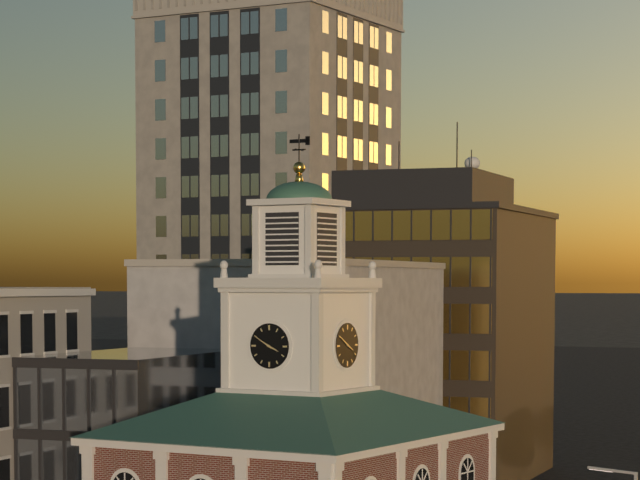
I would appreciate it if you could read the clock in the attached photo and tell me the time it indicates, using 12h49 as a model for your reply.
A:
3h50
